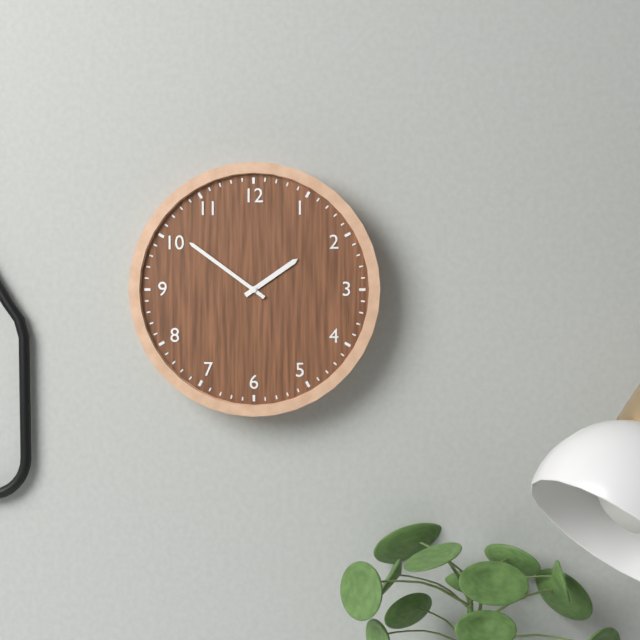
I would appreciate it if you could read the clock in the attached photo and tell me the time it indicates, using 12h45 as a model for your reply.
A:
1h51
